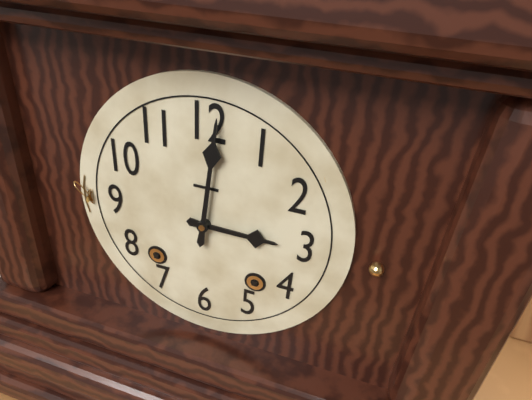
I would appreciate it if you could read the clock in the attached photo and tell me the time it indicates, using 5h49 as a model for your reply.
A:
3h01
